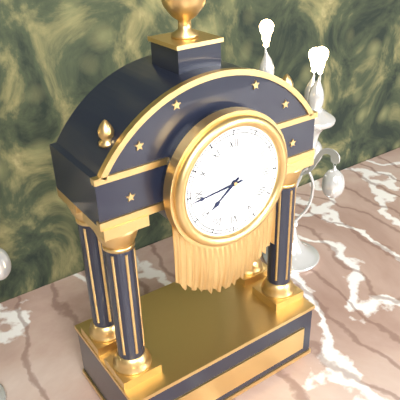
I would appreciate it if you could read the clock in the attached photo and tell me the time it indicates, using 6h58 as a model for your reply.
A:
7h44
